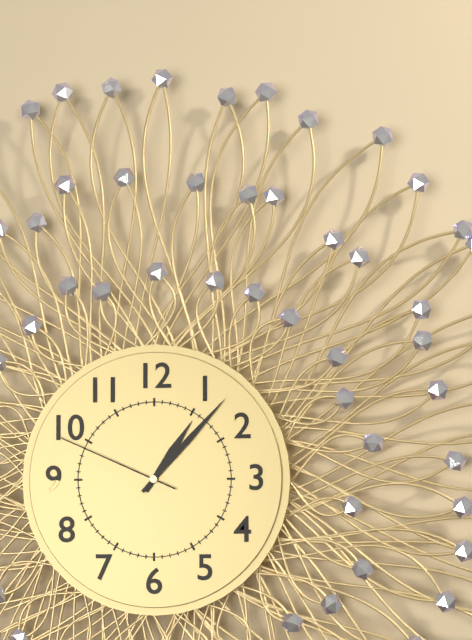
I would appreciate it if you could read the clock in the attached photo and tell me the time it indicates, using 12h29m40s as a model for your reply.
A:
1h07m49s
